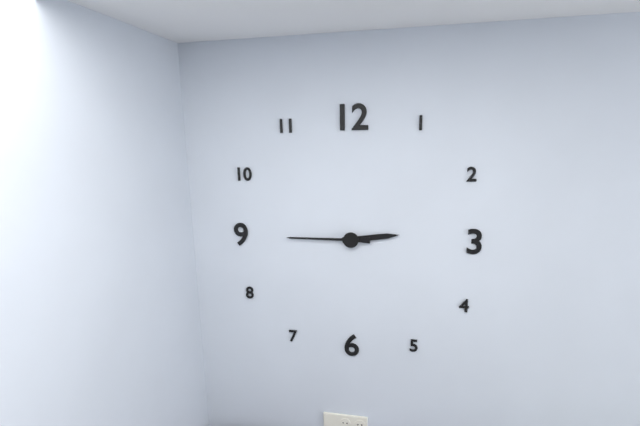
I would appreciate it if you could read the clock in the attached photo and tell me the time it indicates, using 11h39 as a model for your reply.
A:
2h45
